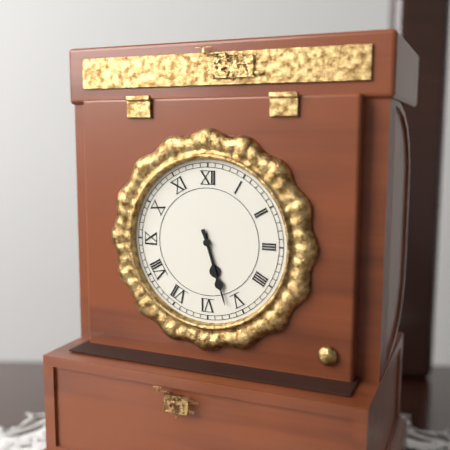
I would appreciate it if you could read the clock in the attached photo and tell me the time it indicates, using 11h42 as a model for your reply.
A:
5h27
